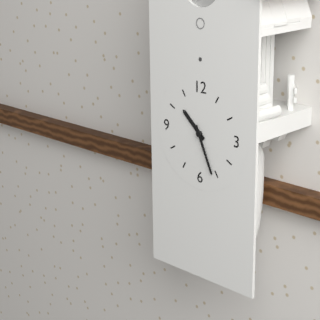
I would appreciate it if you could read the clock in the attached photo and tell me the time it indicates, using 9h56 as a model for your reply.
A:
10h26
